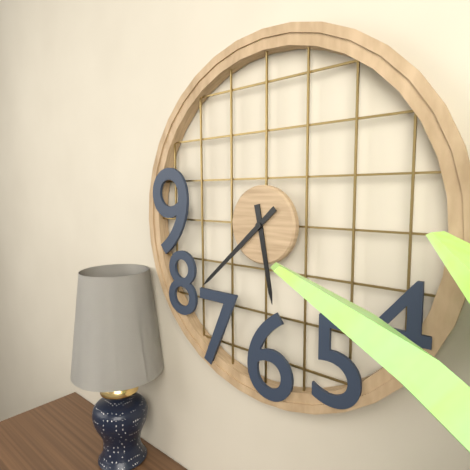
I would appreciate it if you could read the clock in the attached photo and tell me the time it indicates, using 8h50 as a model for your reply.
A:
5h38
